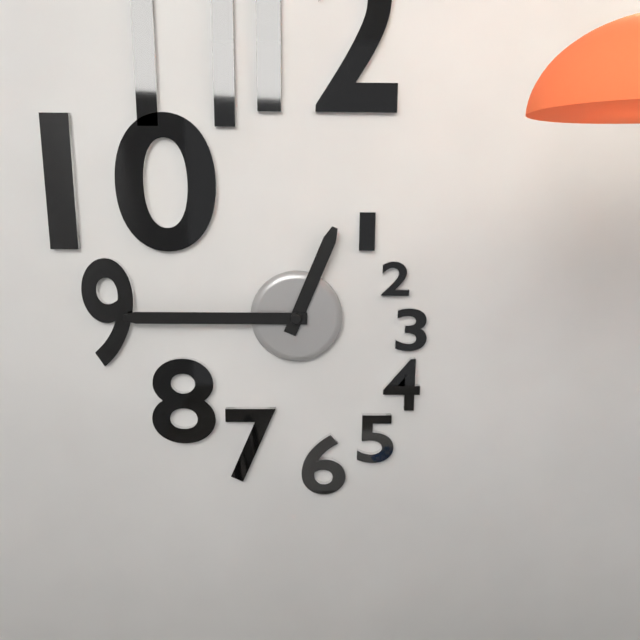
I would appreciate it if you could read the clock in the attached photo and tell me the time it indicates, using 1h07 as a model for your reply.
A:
12h45
